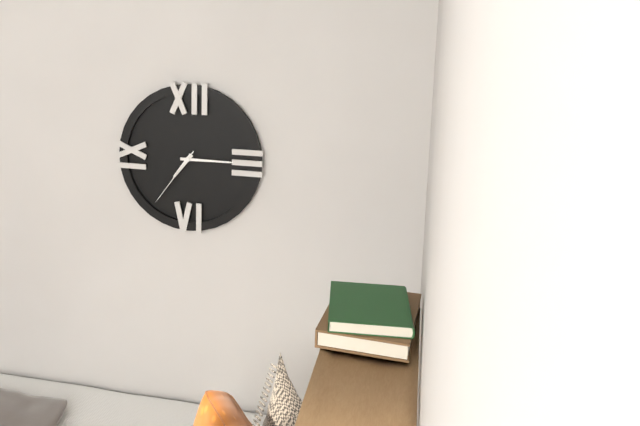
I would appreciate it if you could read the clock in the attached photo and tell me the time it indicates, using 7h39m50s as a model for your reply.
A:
7h15m36s
